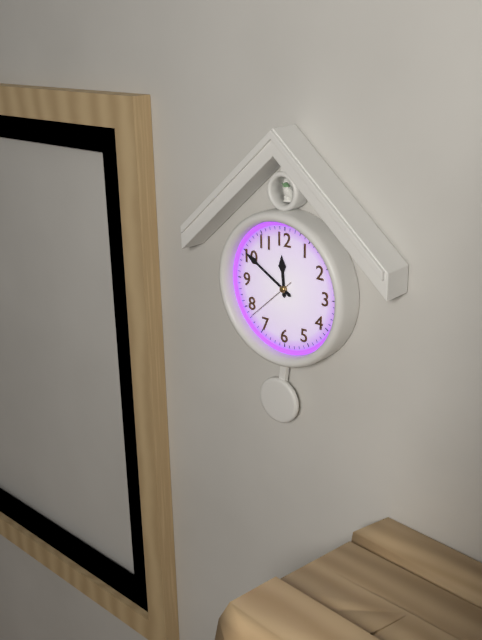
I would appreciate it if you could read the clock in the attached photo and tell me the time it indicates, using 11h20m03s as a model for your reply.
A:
11h50m38s
